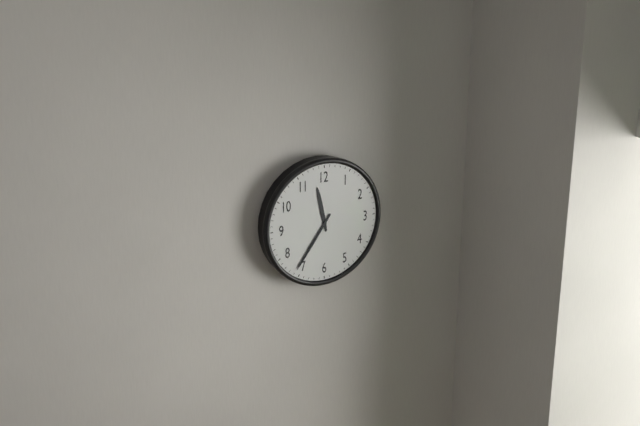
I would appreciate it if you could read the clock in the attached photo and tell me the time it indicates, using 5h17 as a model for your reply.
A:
11h36
